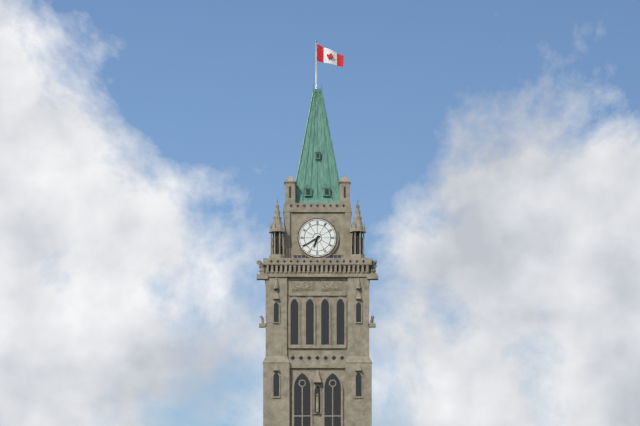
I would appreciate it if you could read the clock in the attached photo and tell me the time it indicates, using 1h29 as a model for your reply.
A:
6h40
